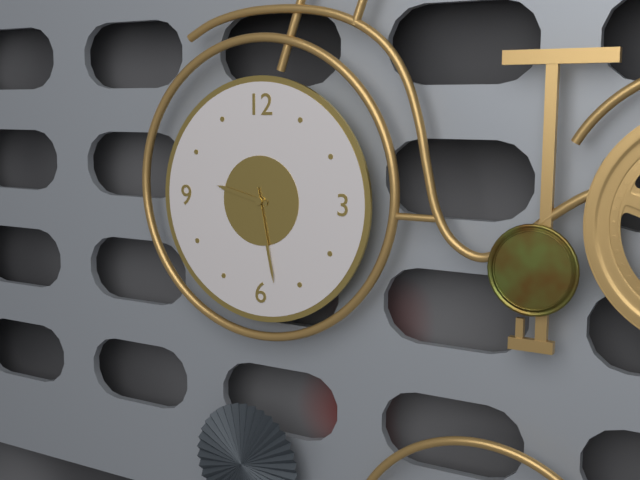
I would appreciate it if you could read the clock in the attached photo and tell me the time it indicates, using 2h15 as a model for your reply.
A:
9h28
